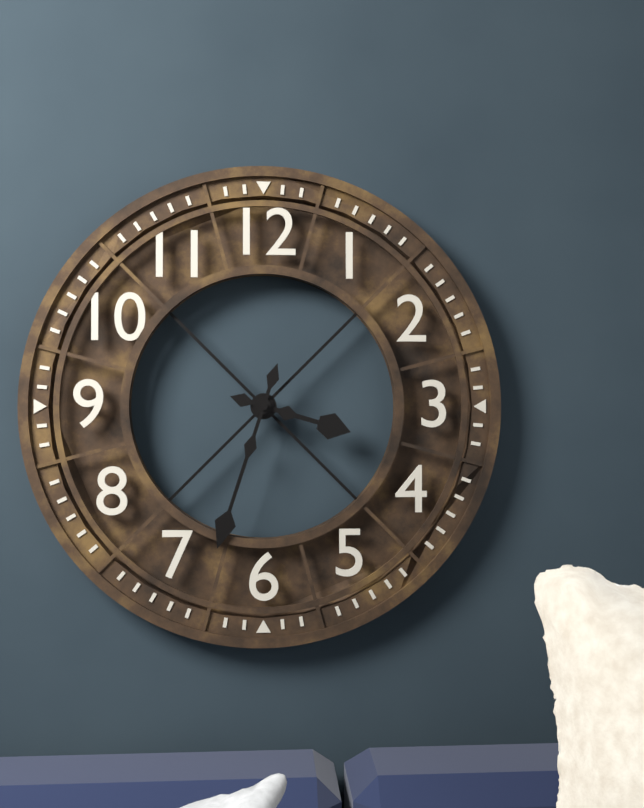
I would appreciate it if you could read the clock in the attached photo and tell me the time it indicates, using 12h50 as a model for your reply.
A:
3h33
